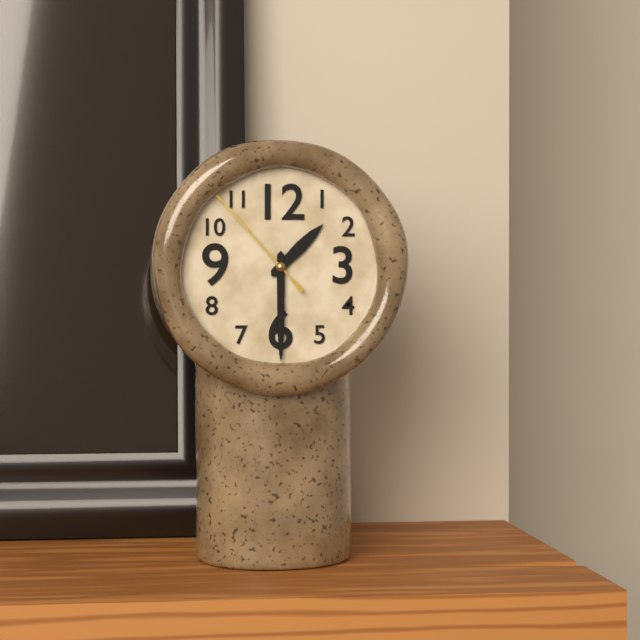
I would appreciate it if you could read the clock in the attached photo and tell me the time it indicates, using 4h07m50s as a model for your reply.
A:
1h30m53s
